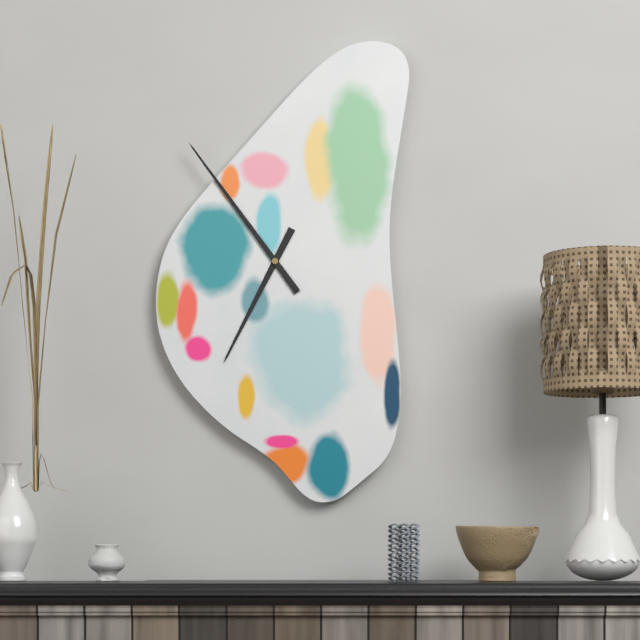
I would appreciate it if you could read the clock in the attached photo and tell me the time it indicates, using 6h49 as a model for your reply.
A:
6h54
